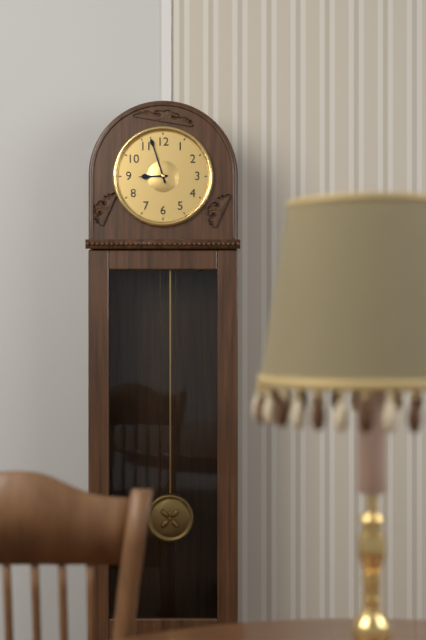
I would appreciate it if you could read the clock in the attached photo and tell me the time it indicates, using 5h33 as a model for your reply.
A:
8h57
